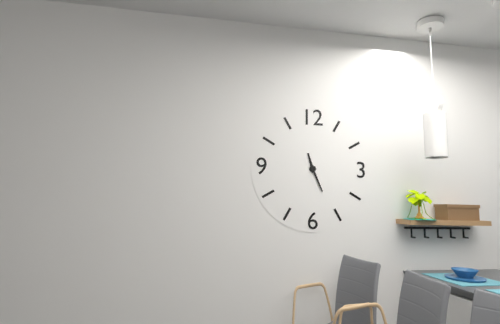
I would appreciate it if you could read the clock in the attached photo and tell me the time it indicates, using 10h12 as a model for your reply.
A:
11h26
